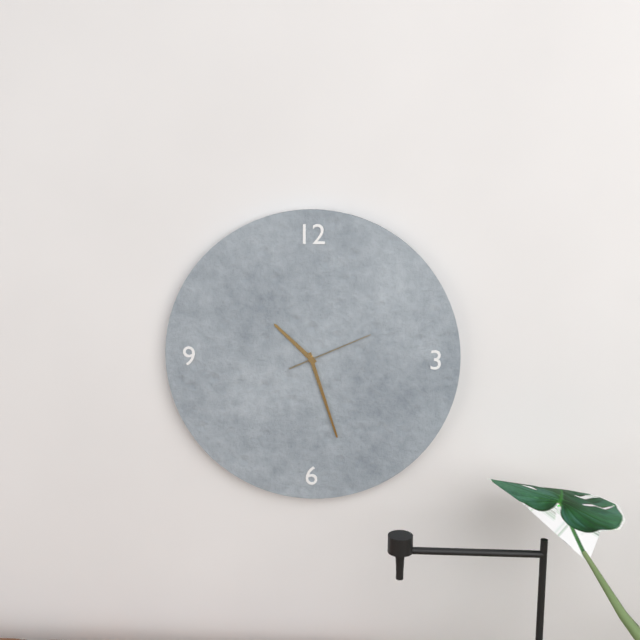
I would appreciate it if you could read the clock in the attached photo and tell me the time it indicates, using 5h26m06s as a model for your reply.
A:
10h27m11s
